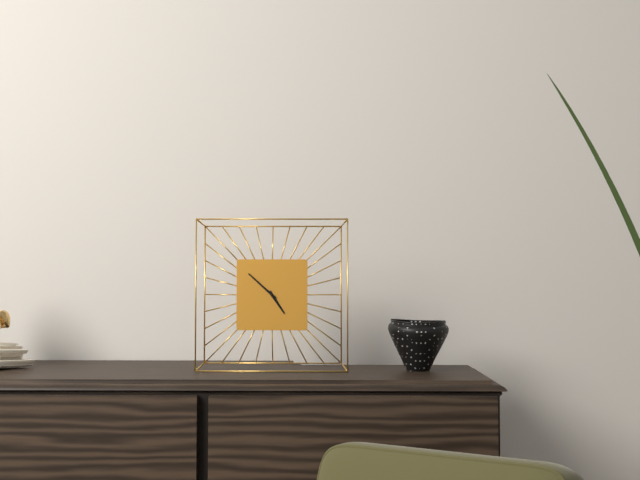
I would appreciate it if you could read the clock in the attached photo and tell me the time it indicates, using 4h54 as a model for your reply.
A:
4h52
